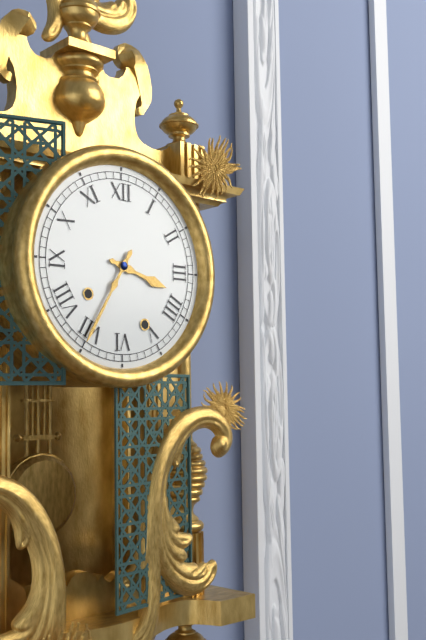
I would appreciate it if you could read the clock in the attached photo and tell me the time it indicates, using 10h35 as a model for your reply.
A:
3h35
